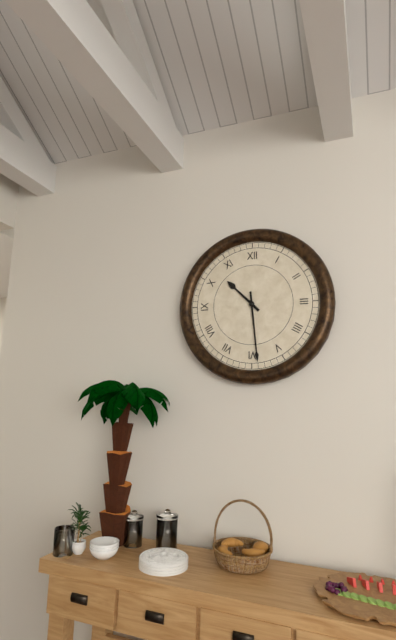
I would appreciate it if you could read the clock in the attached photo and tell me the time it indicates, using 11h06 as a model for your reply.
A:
10h29
